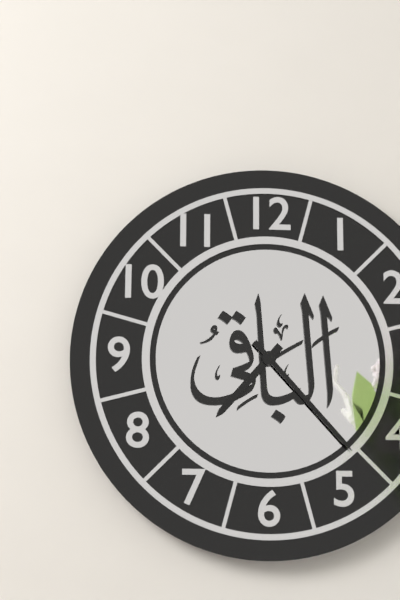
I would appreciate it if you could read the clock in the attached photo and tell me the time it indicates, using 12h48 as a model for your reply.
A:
7h23
